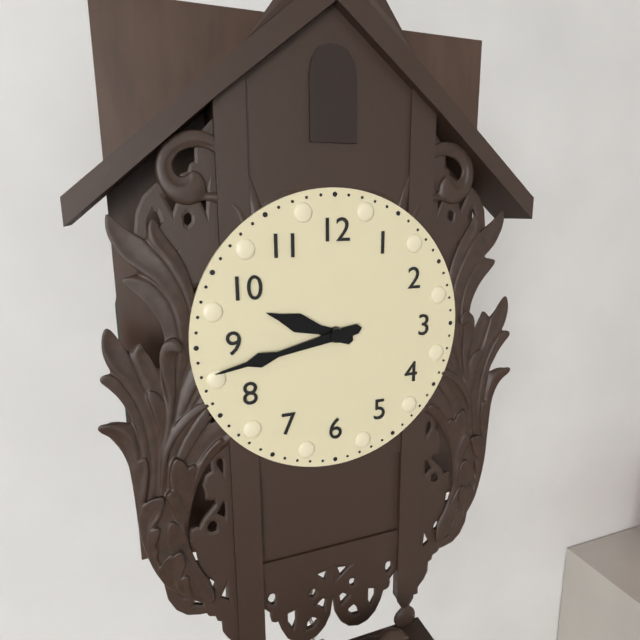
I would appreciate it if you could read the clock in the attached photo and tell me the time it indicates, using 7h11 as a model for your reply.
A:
9h43
